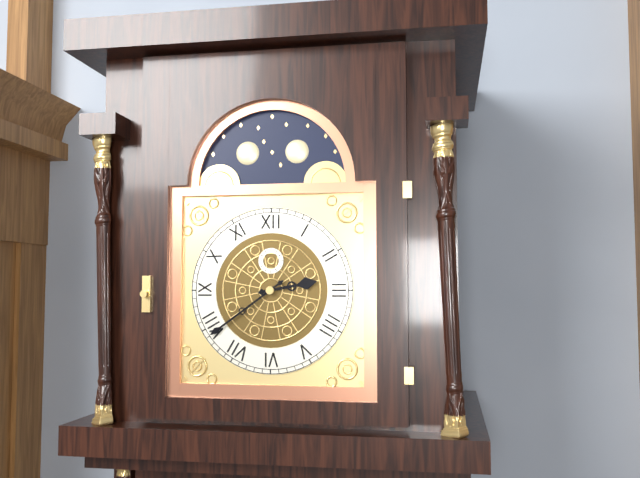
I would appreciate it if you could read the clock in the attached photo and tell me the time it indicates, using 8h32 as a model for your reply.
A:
2h39
